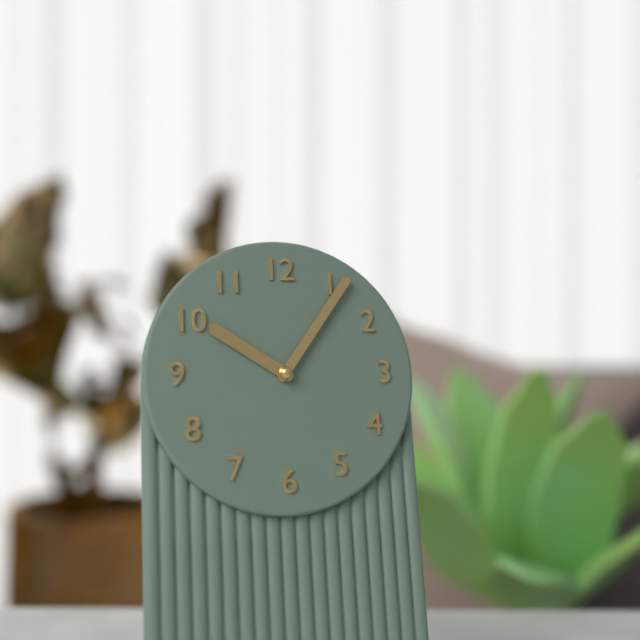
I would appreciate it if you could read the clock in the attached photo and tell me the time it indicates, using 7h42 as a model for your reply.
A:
10h06
